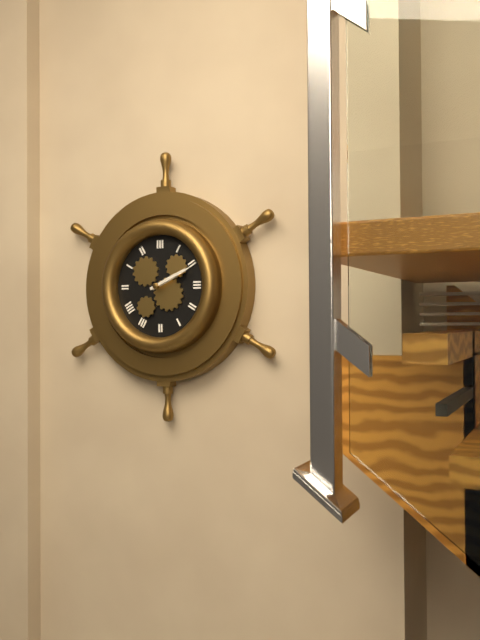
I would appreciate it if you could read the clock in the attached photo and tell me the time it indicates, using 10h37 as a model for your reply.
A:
2h11
